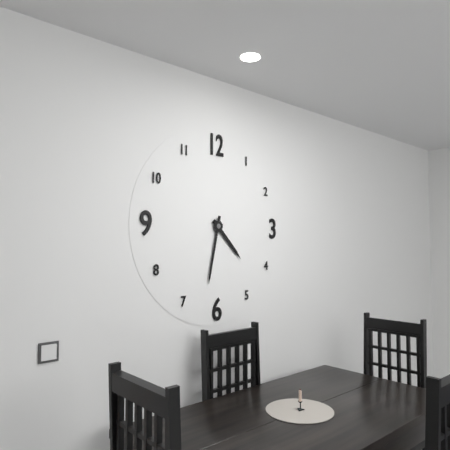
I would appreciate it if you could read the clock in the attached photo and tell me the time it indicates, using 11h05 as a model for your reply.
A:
4h32
